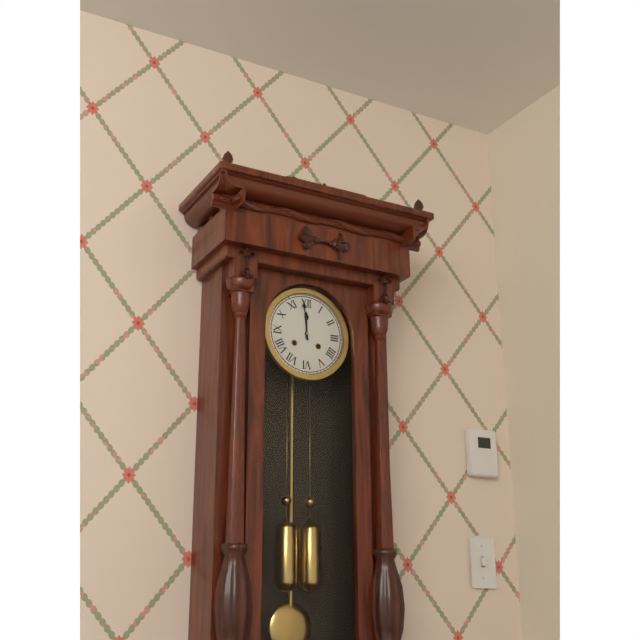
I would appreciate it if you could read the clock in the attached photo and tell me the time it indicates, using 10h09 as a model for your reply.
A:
11h59
